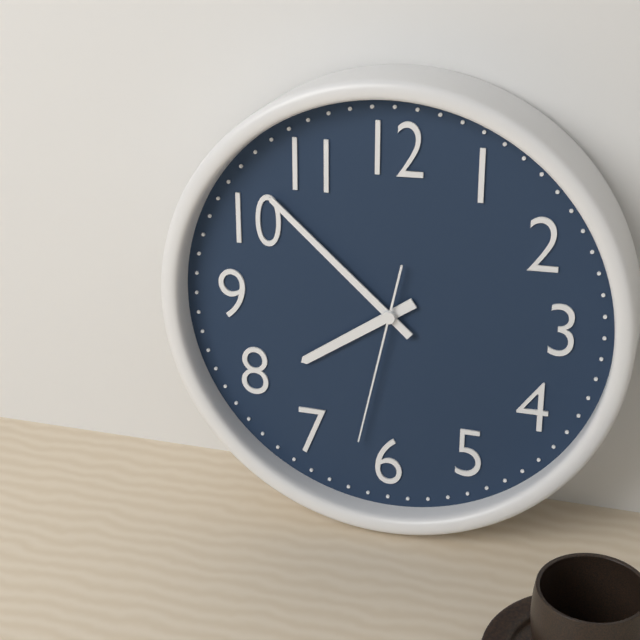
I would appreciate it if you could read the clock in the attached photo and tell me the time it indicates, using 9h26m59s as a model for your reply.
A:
7h52m32s
